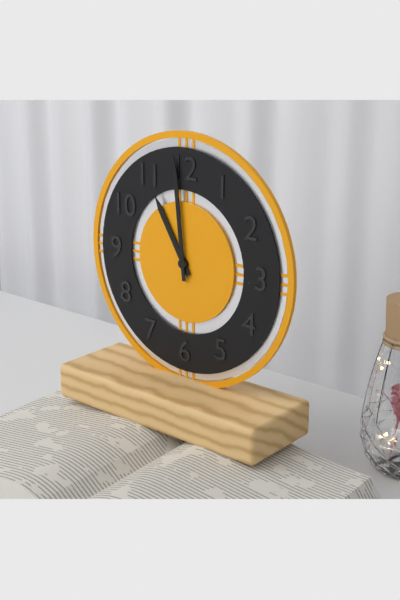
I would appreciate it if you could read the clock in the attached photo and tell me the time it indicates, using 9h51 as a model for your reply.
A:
10h59
